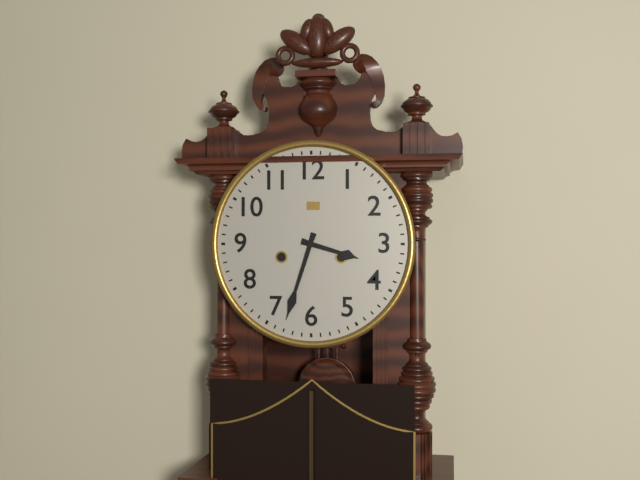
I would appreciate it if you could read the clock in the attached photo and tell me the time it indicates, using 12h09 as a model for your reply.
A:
3h33
